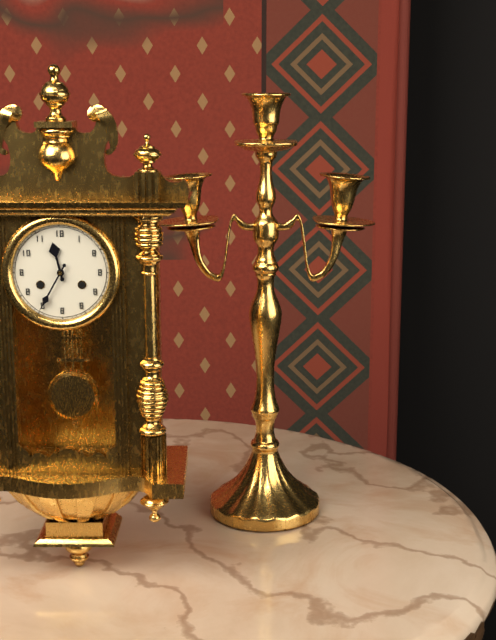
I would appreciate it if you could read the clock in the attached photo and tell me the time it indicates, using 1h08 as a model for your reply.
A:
11h35
